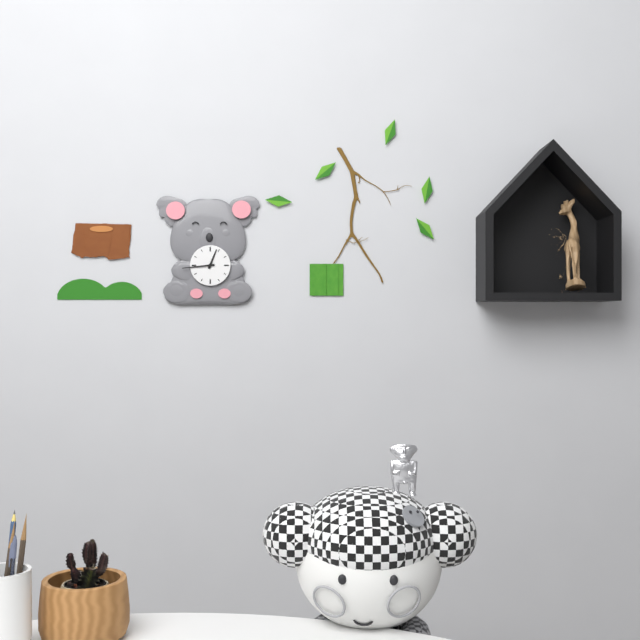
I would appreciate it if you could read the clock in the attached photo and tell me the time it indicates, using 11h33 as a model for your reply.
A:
12h44
